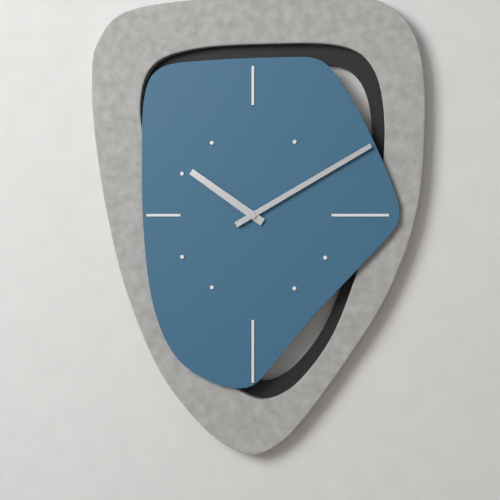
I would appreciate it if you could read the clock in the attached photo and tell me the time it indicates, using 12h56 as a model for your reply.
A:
10h10
